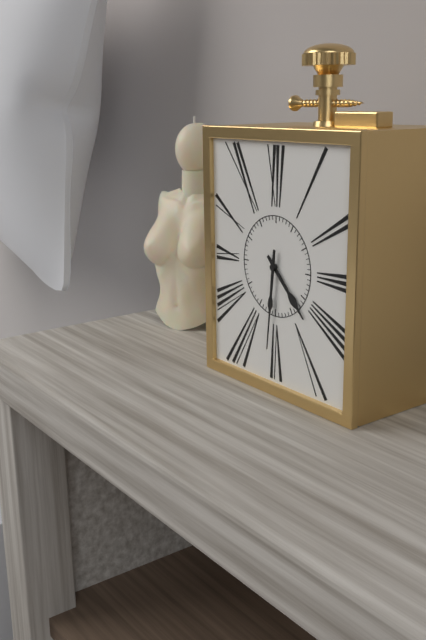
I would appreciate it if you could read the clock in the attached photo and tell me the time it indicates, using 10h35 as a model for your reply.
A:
4h31
